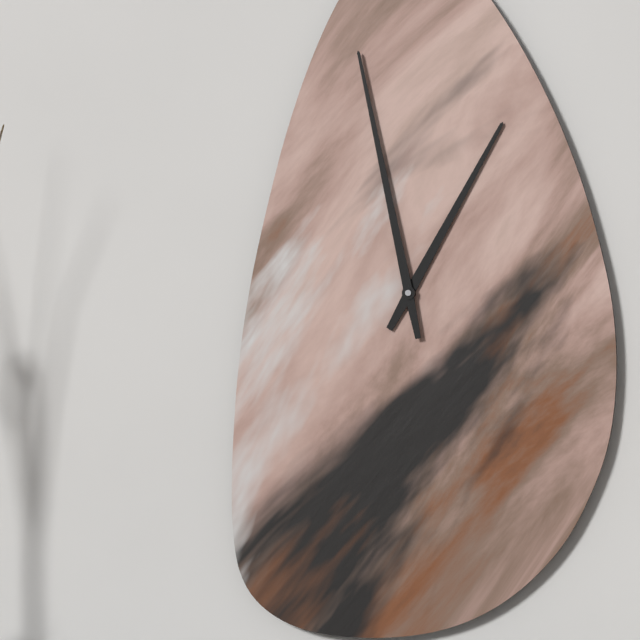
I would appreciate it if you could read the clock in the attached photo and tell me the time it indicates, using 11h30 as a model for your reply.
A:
12h58
